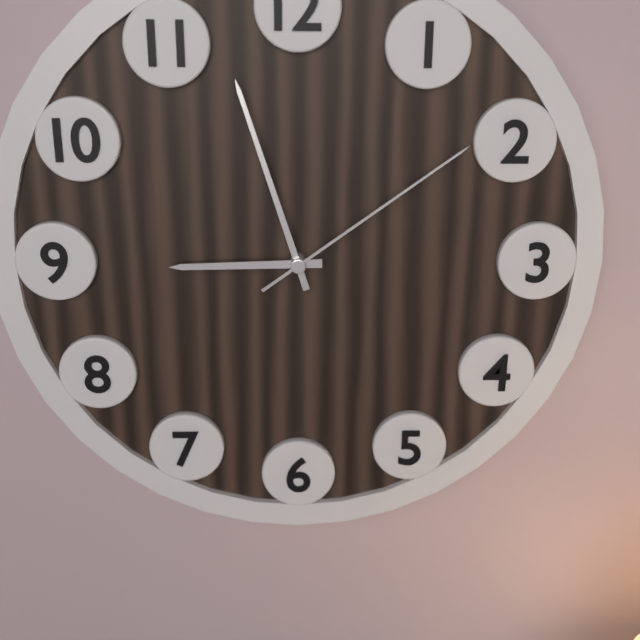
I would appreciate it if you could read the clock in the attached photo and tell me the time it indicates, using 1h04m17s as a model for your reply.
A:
8h57m09s
